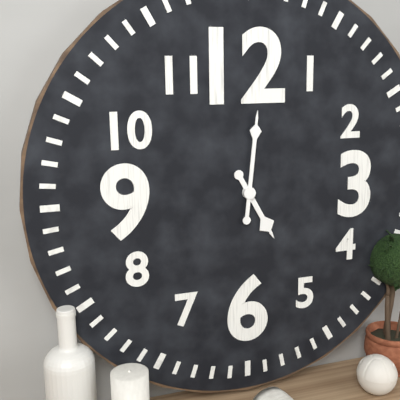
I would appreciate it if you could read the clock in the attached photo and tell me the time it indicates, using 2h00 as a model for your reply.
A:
5h01
